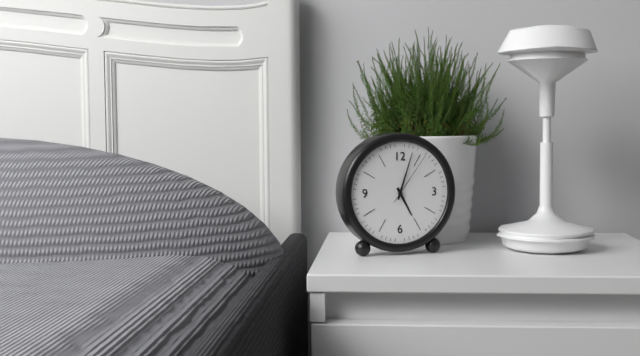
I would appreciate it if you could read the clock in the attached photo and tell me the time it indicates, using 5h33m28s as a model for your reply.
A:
5h03m06s
